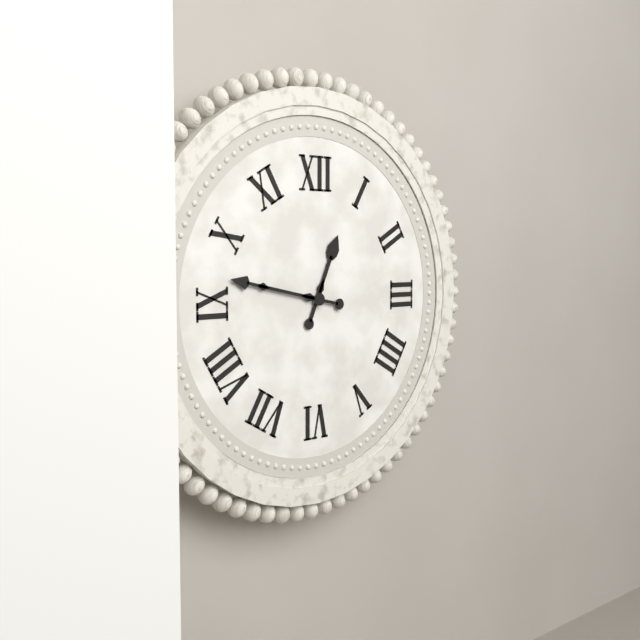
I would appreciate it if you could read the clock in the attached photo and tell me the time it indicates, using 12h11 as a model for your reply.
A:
12h47
